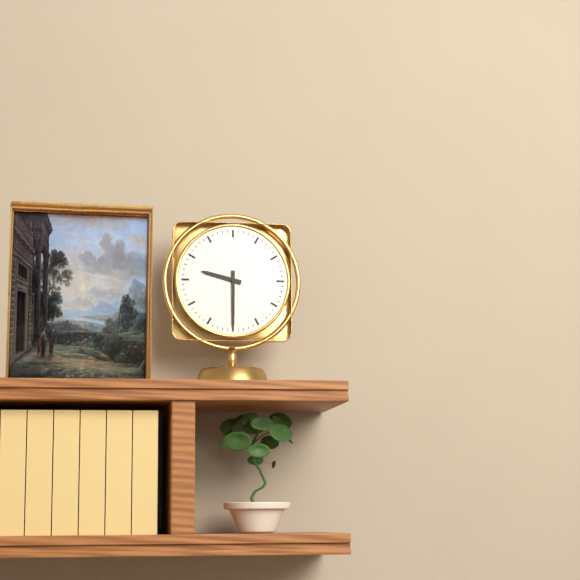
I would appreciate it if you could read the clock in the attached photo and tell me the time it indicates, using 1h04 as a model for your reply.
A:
9h30
